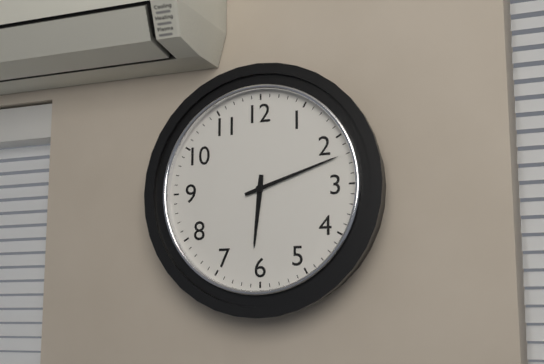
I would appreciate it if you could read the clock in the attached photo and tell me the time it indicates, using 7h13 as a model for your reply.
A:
6h12
